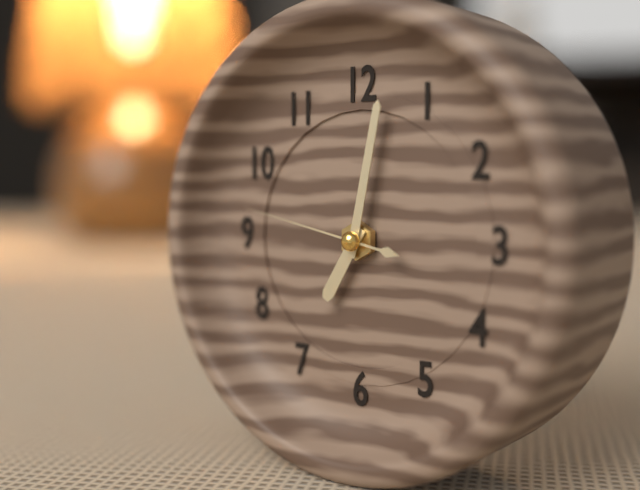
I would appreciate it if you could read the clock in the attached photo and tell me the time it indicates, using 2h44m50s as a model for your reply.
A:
7h02m47s
